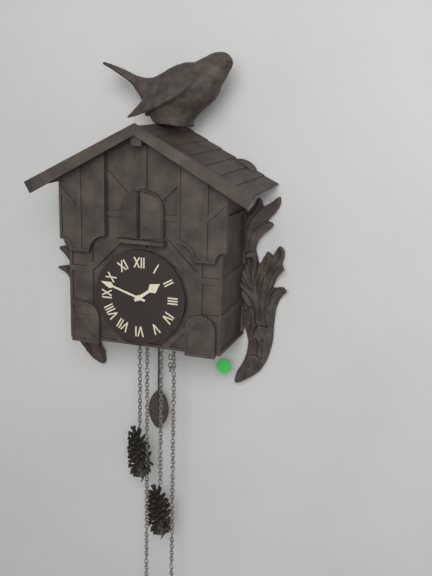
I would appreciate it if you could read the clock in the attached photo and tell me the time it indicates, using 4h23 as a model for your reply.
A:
1h48
